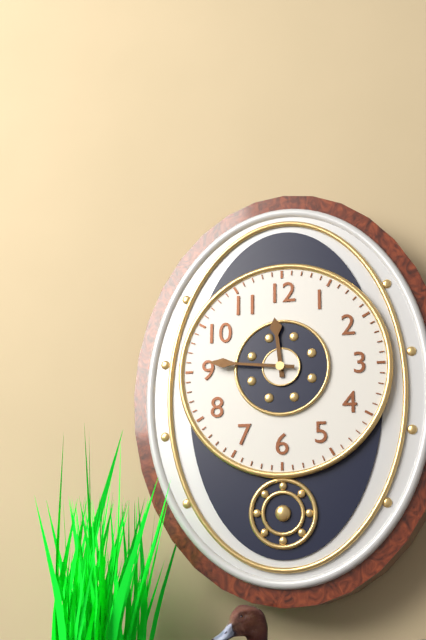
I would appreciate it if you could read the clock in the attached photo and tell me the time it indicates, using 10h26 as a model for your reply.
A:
11h46
